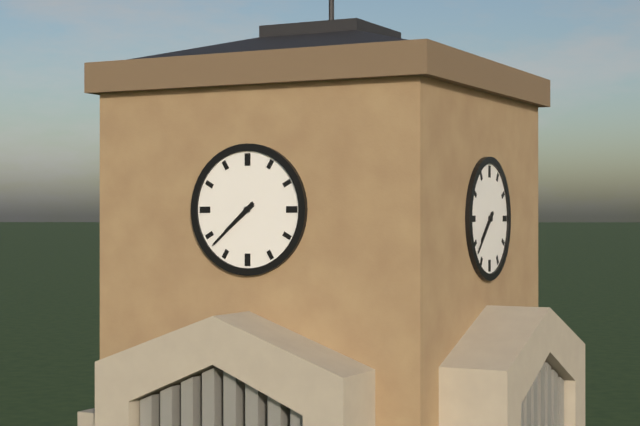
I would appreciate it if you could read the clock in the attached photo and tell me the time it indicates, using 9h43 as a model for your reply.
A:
7h38
